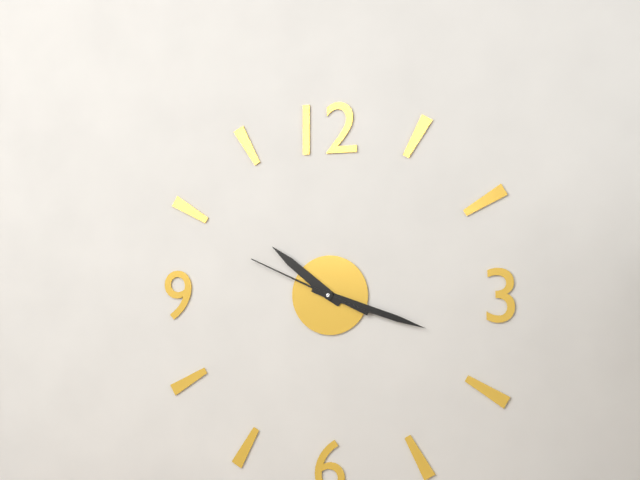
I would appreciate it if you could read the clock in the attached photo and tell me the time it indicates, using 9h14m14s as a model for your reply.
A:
10h18m49s
